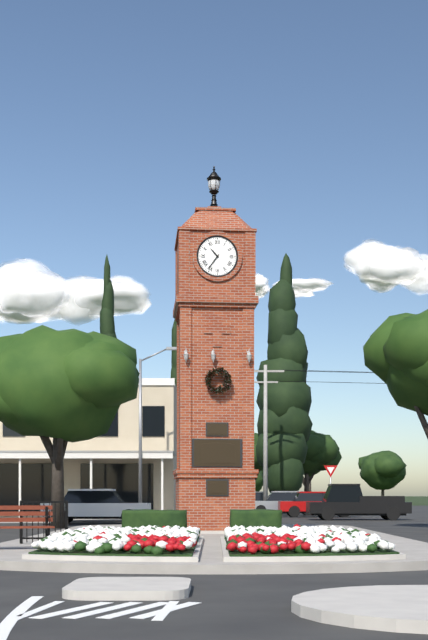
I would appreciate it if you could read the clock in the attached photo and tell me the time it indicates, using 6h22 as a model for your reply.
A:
10h36
